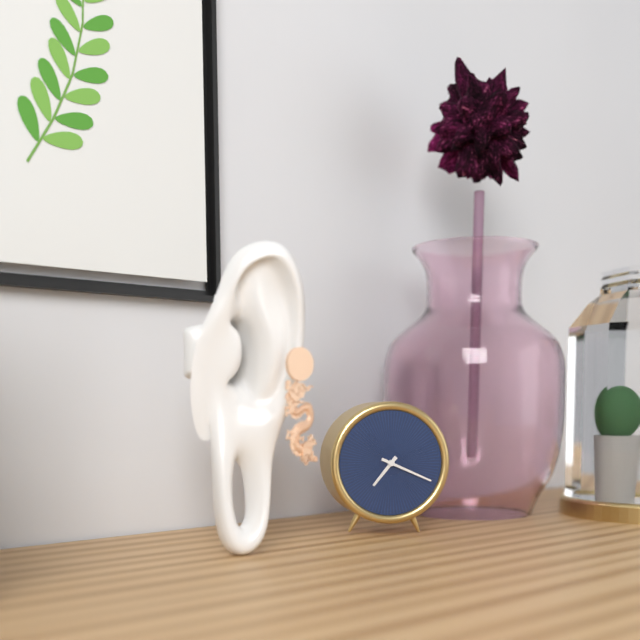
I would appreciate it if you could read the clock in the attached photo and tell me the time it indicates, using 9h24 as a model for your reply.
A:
7h19
